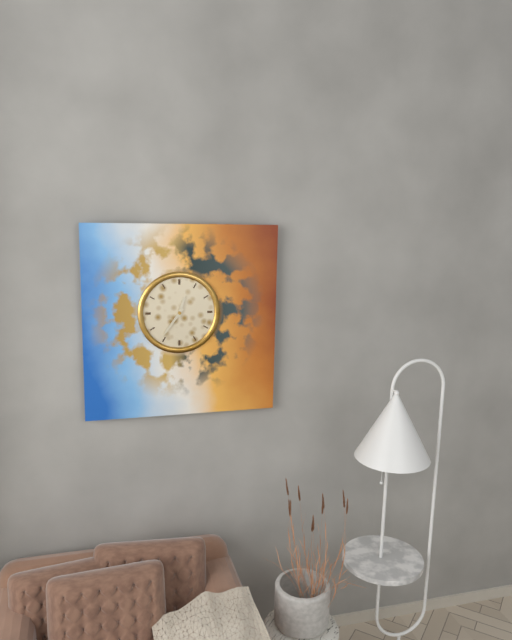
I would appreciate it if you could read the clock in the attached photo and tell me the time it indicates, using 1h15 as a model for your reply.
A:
12h36
